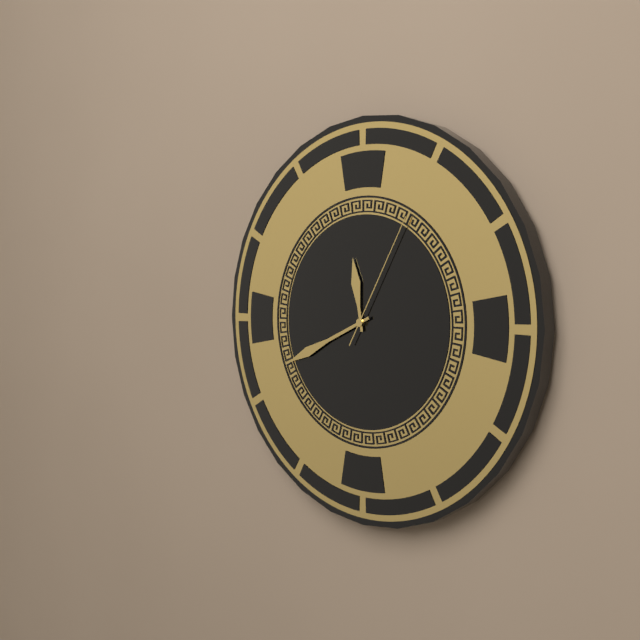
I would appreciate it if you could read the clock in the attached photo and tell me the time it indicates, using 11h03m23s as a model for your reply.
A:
11h41m05s
